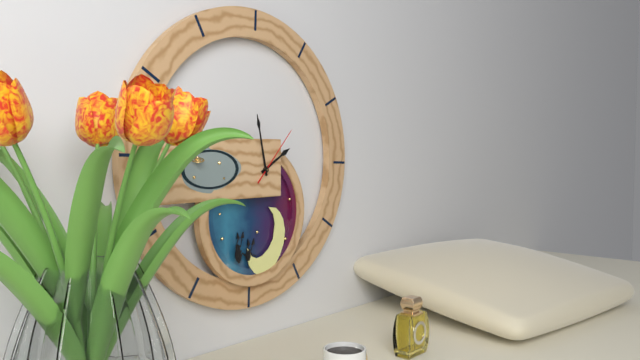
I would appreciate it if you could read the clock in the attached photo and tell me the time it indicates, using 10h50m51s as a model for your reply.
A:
1h58m07s
